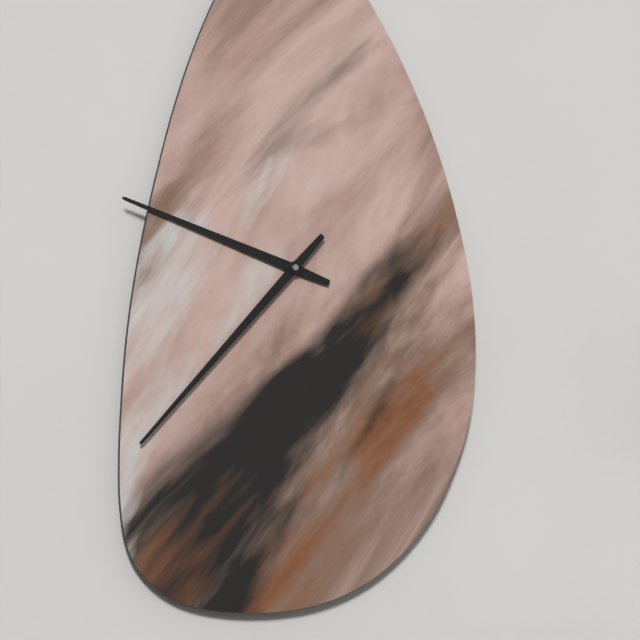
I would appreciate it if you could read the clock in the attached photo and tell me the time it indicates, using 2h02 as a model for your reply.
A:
9h37
